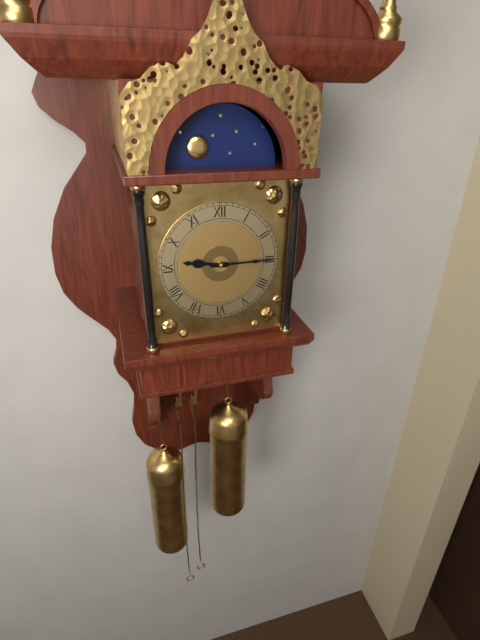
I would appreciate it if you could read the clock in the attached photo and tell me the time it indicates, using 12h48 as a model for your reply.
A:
9h15
